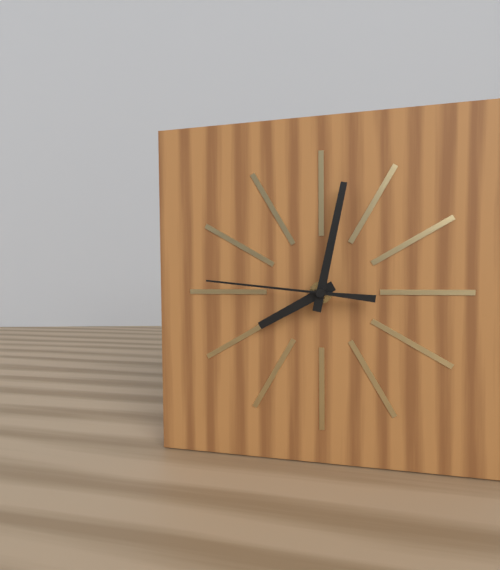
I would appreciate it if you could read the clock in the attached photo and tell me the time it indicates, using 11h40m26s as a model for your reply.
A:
8h02m46s
